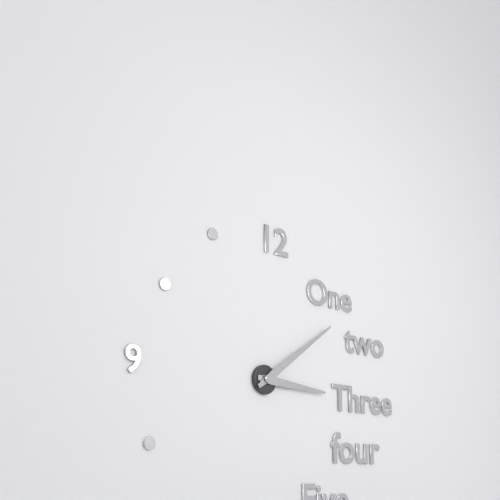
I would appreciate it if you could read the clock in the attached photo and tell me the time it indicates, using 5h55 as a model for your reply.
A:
3h09
